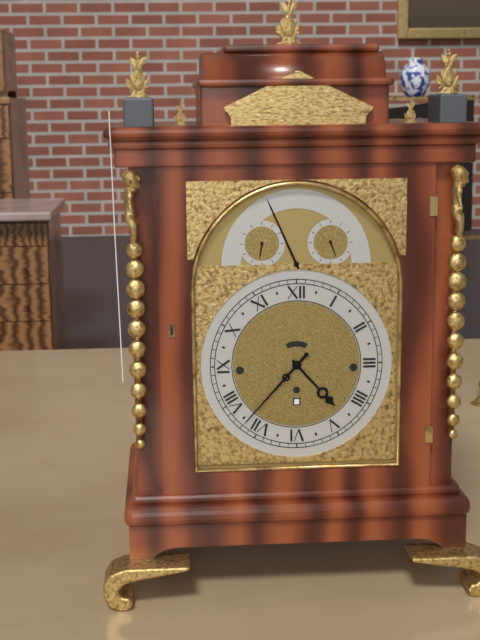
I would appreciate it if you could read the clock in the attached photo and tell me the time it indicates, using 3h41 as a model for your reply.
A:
4h37
